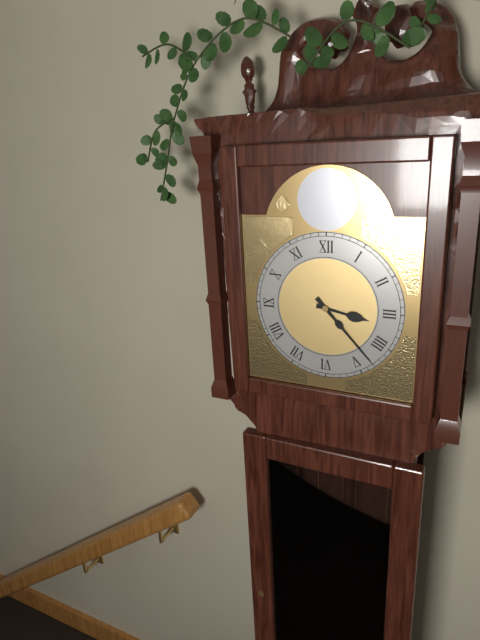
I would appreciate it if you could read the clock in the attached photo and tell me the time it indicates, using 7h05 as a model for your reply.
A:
3h23
